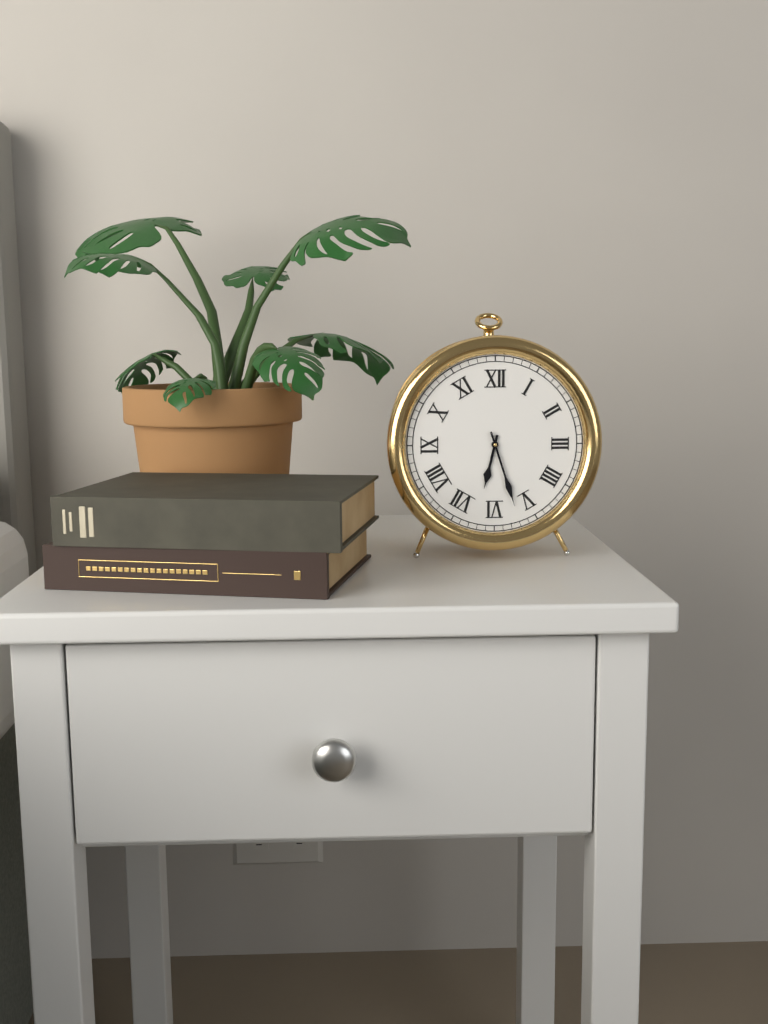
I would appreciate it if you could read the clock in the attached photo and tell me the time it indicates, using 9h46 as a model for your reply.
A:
6h27
